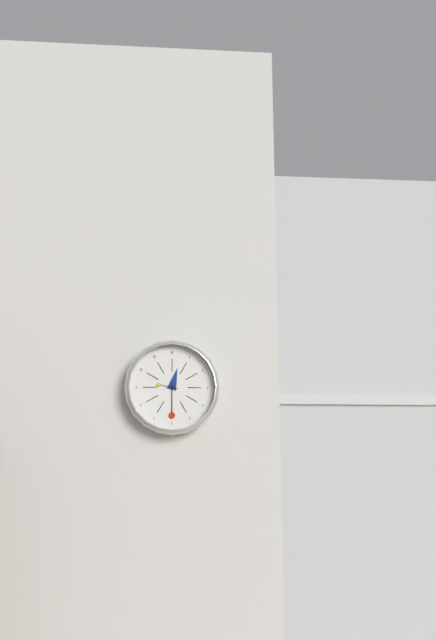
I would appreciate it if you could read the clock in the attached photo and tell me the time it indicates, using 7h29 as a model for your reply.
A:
12h30
